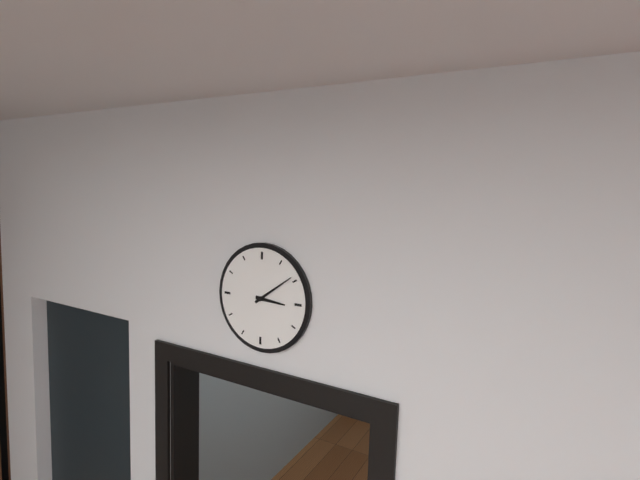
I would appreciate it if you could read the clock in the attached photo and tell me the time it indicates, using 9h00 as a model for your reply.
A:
3h09
